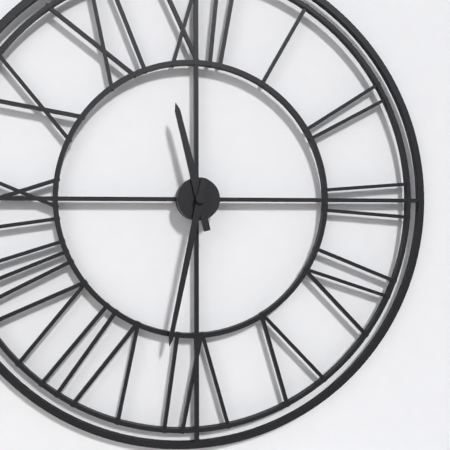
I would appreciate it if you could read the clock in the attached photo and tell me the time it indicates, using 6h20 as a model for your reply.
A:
11h32
